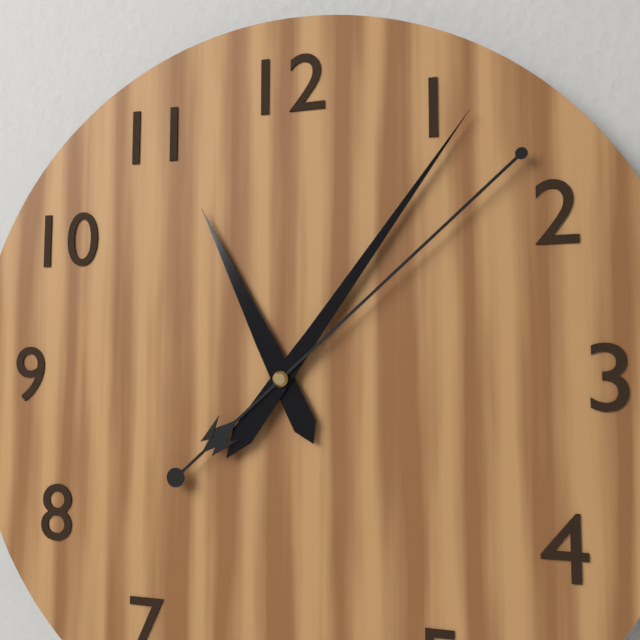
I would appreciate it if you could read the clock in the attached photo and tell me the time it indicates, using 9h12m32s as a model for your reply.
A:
11h06m08s
